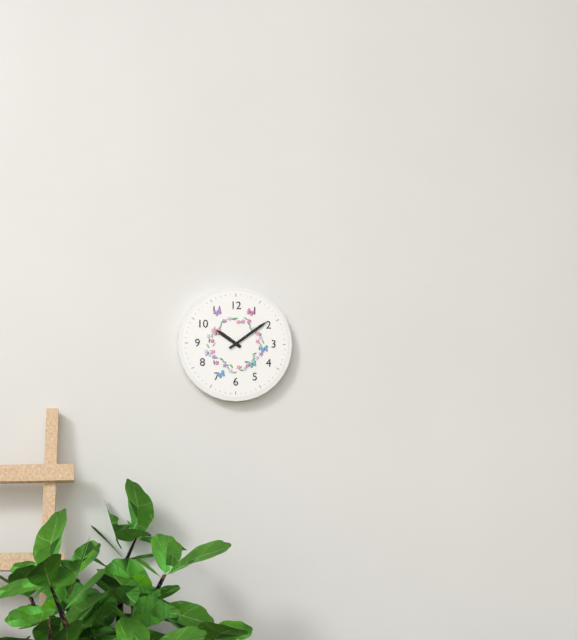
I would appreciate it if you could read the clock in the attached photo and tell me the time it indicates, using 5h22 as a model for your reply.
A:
10h09
